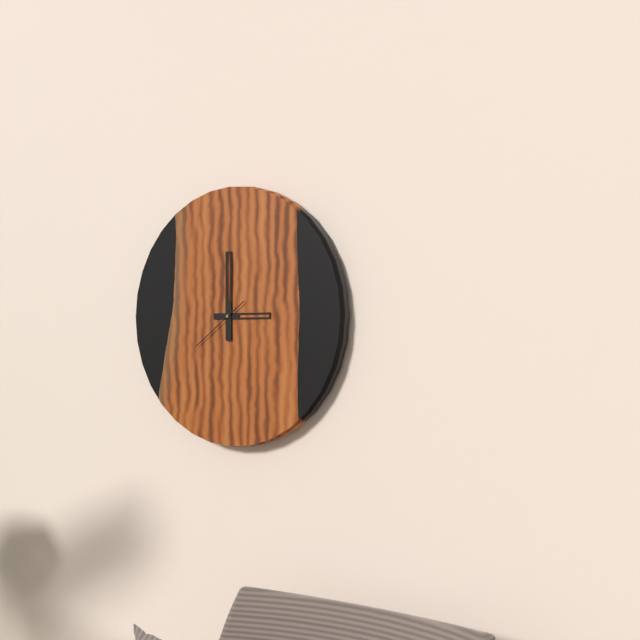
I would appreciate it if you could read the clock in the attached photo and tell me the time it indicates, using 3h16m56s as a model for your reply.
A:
3h00m39s
